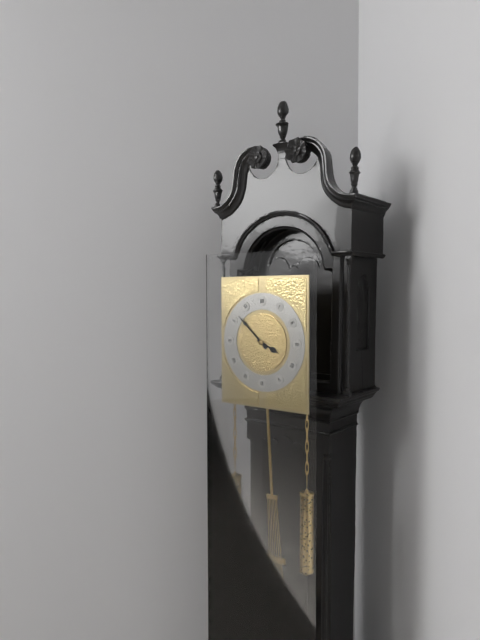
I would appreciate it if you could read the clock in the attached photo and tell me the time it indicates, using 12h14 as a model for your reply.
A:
3h52
